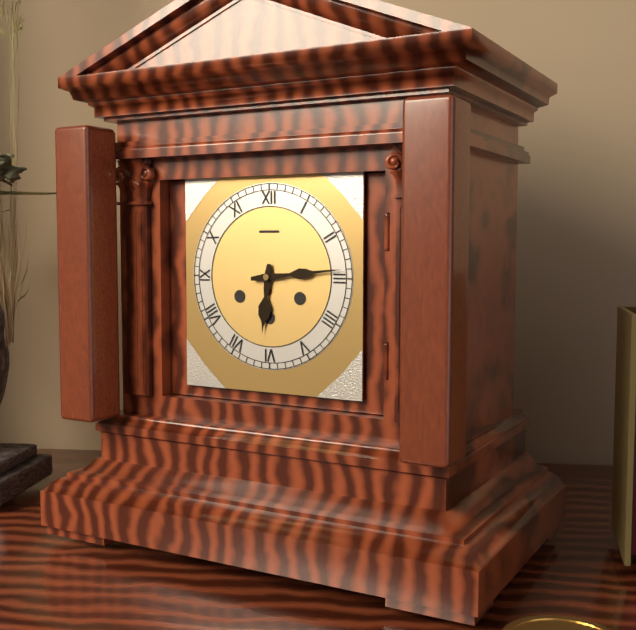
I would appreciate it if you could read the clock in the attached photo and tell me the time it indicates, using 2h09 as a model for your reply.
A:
6h14
